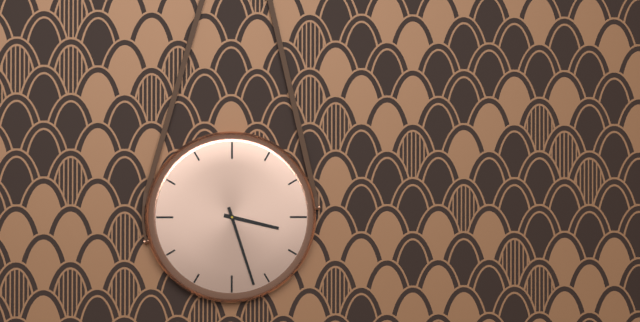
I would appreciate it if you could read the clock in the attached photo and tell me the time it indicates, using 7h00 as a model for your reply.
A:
3h27
